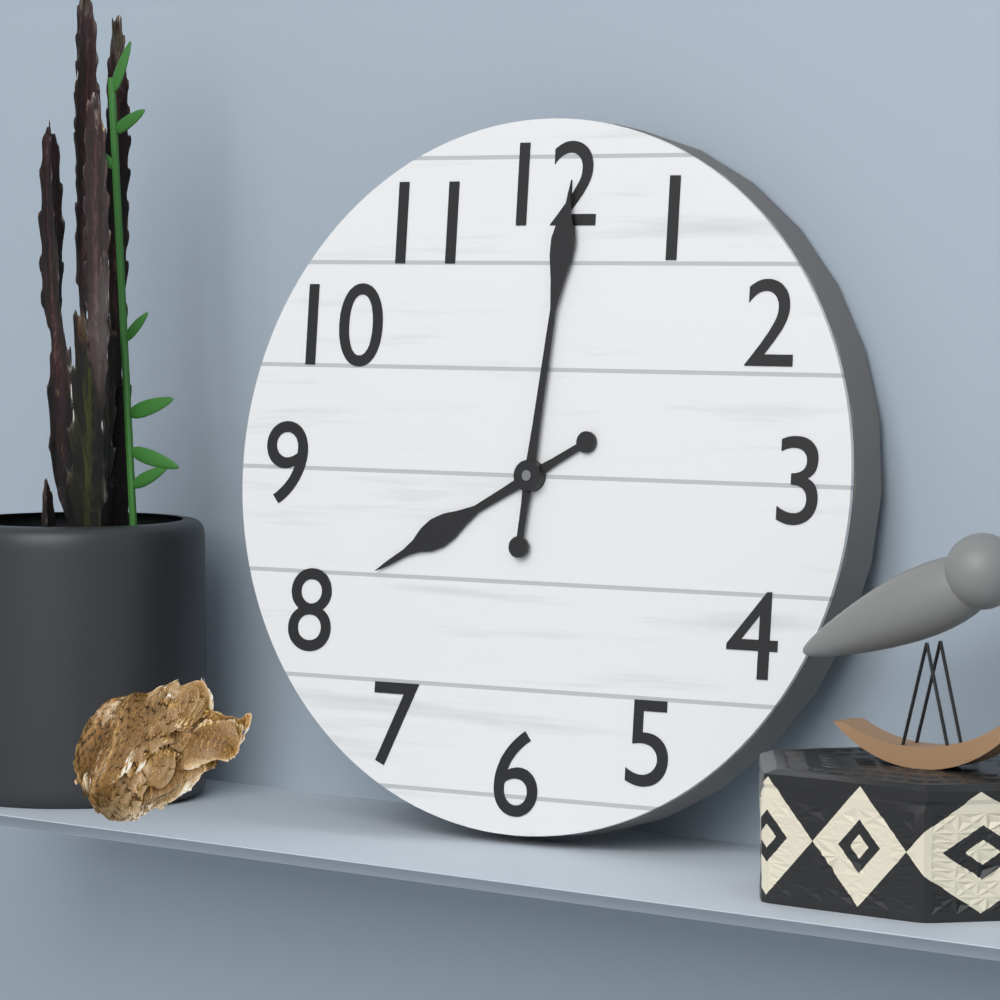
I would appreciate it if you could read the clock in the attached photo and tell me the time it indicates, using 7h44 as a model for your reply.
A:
8h01
